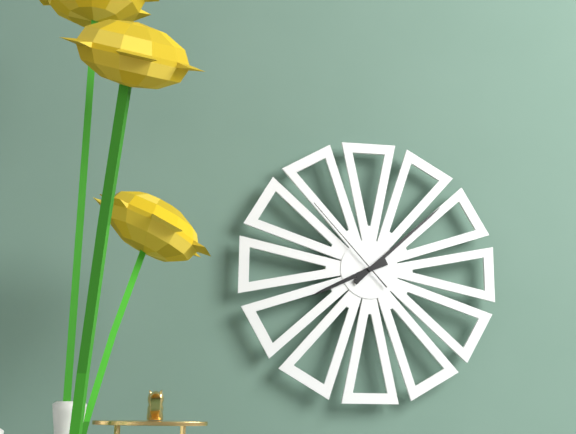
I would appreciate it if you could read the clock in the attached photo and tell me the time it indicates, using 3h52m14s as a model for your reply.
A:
8h08m53s
